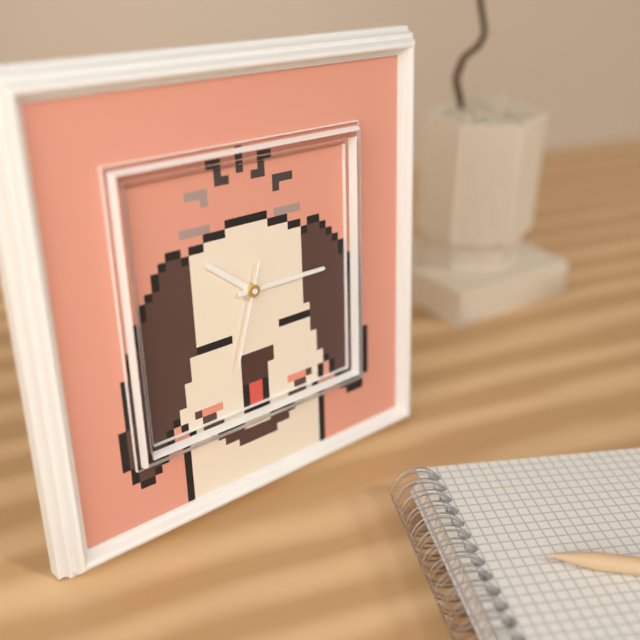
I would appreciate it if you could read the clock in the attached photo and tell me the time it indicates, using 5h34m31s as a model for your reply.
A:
10h15m33s
